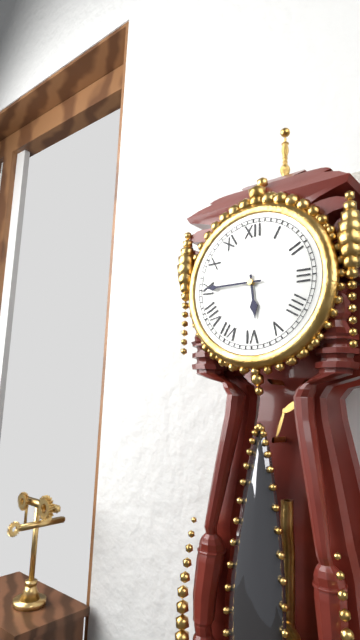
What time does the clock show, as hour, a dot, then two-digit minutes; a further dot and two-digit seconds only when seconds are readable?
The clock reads 5.45
